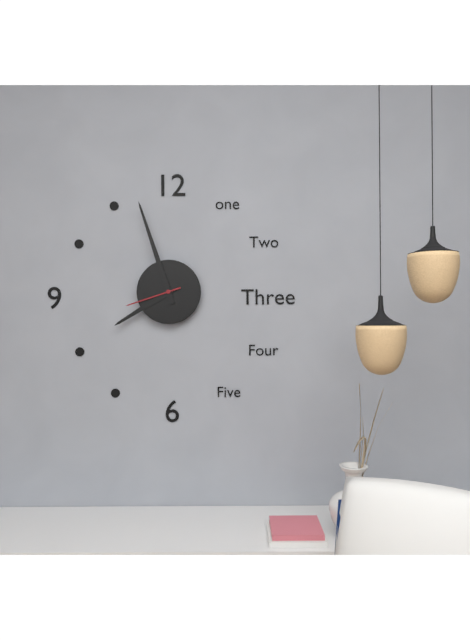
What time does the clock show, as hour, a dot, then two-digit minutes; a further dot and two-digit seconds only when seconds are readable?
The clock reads 7.57.42
